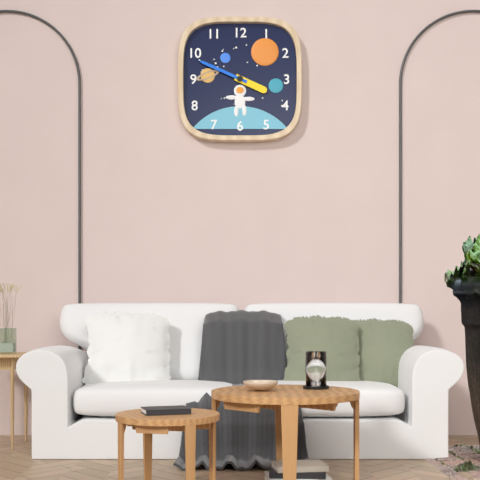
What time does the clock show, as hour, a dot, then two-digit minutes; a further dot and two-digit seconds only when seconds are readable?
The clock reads 3.49
